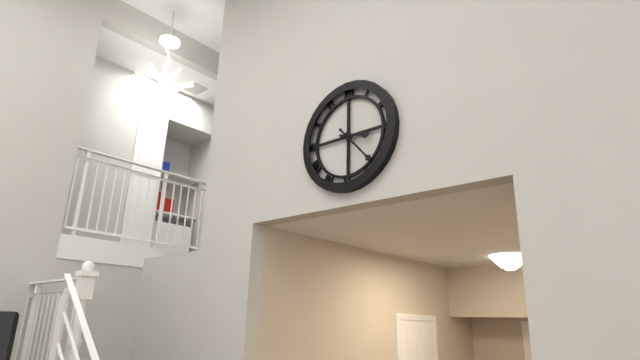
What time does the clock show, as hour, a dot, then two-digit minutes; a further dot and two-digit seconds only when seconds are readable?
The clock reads 3.23
